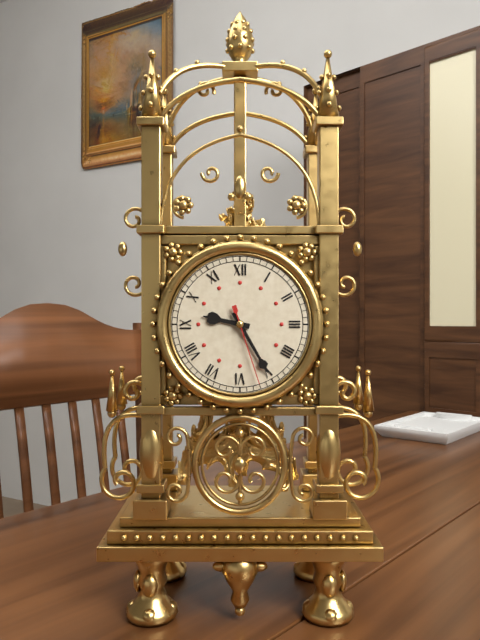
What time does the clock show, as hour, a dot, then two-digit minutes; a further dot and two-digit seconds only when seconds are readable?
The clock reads 9.25.27
